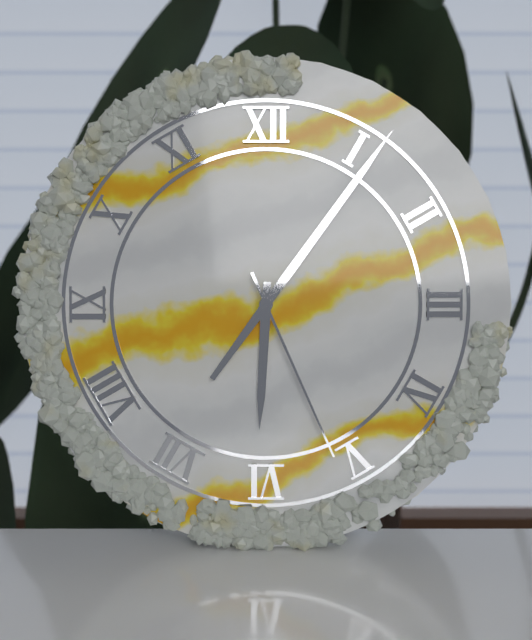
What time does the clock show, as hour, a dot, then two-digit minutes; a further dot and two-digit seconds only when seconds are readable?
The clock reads 6.06.26
